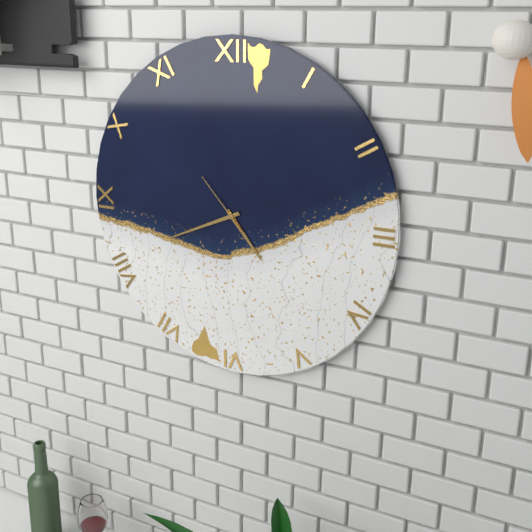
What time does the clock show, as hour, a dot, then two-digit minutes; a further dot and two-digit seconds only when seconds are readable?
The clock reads 4.41.53
